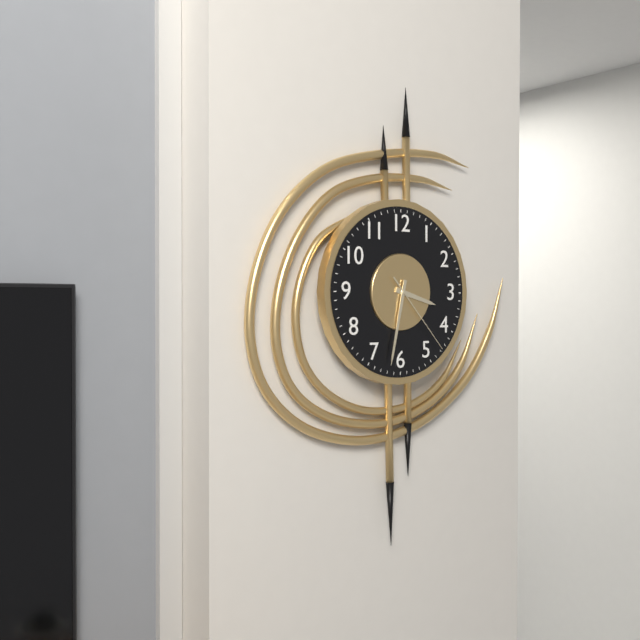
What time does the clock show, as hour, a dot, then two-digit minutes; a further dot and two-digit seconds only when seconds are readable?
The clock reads 3.32.23
